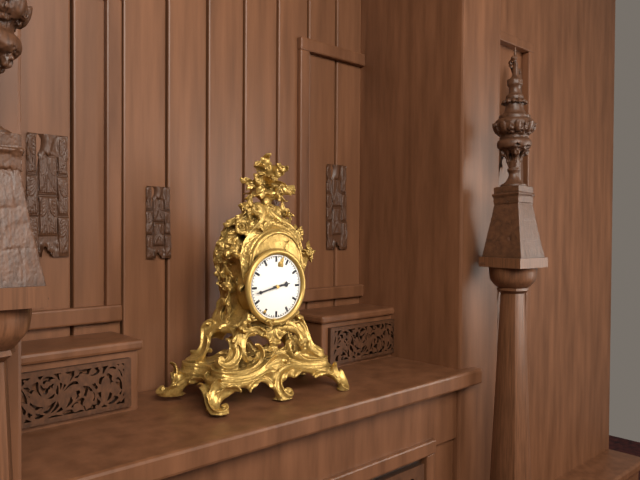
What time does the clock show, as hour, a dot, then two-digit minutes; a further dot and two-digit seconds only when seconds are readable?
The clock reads 2.43
